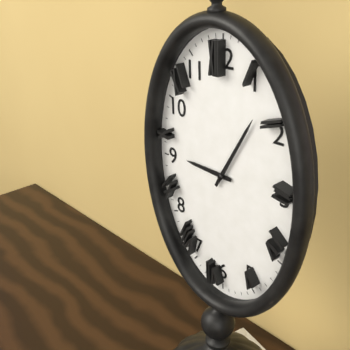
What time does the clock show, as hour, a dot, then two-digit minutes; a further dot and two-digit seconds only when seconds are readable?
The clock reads 9.05
